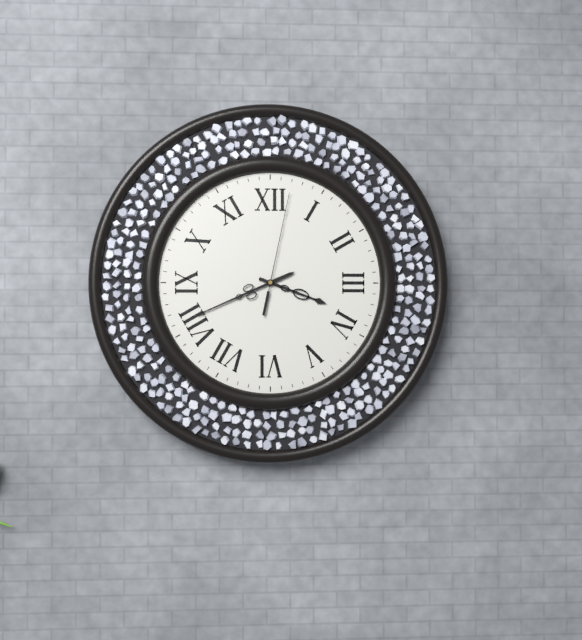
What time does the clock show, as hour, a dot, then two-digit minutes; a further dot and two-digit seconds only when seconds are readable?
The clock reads 3.41.02
